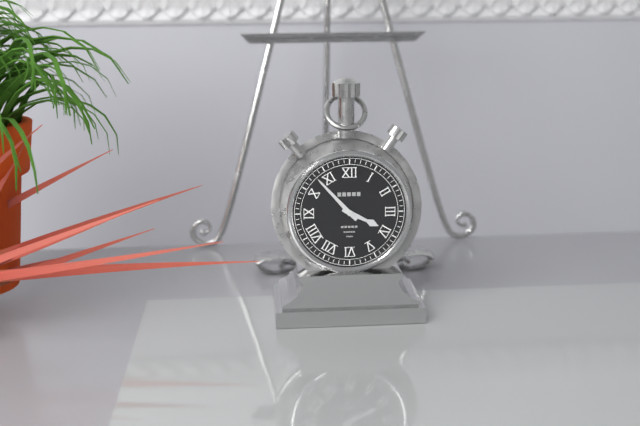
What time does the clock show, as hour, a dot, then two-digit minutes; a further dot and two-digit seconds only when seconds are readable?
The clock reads 3.53
